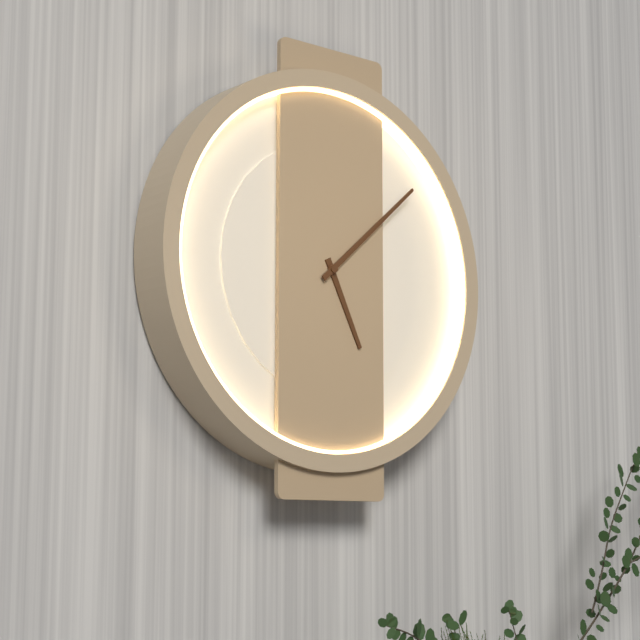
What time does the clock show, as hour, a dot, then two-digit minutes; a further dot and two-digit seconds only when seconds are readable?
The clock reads 5.08
